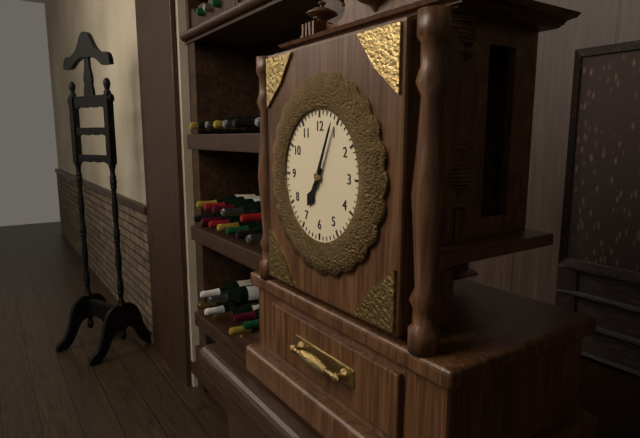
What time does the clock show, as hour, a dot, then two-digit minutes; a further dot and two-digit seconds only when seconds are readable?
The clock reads 7.04
